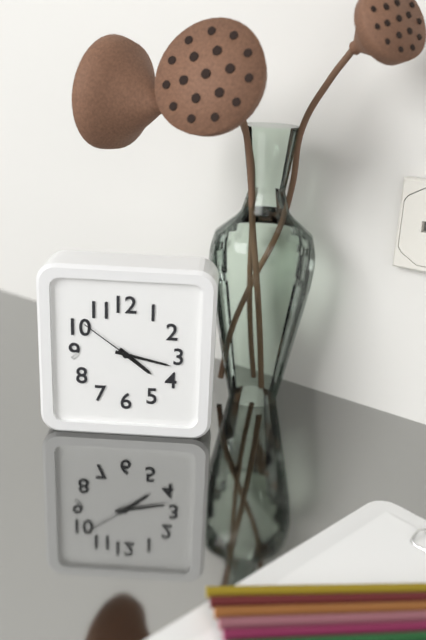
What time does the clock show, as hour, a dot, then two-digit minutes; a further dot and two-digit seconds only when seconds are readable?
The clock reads 4.17.51
